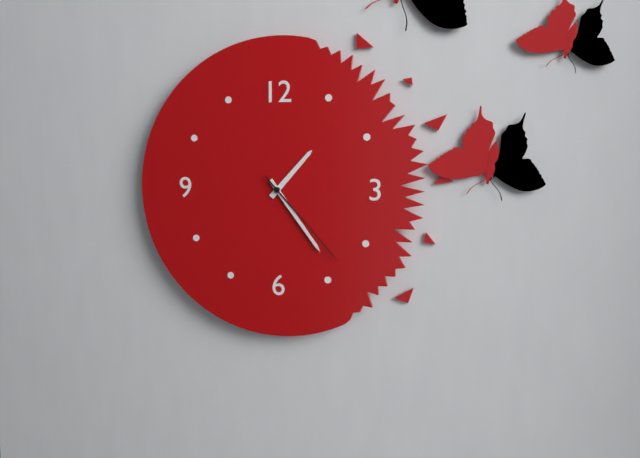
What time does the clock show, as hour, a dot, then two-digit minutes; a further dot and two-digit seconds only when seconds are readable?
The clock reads 1.24.23
